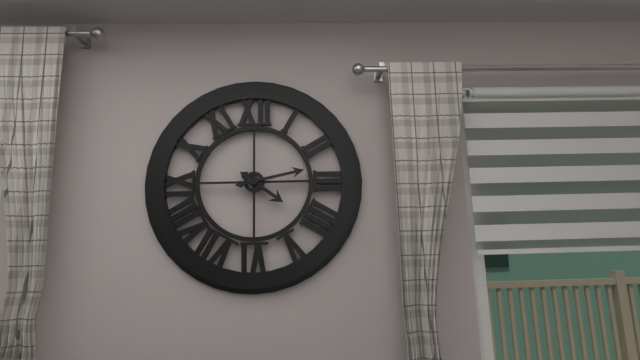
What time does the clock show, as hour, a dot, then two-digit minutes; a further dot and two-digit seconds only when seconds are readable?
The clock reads 4.13
